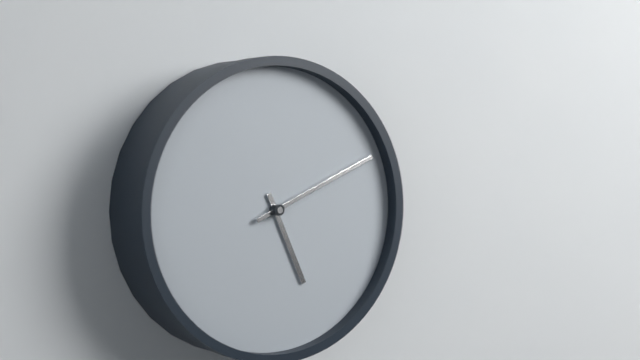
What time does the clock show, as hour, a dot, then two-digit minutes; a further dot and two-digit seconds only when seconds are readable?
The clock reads 5.11
